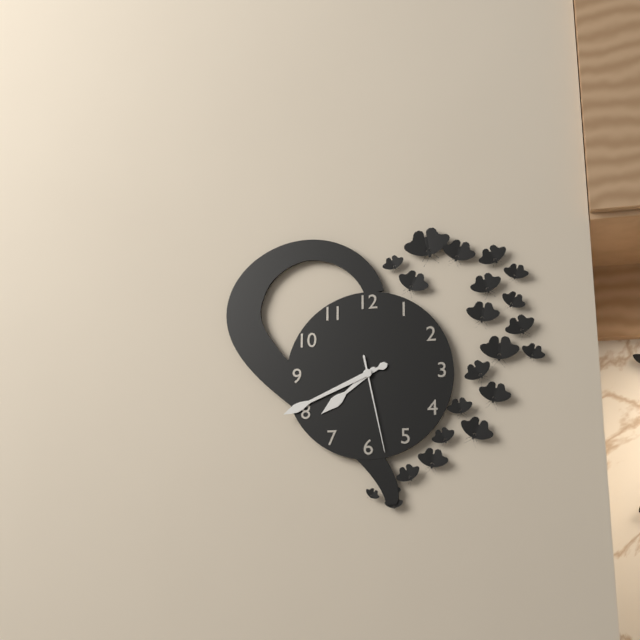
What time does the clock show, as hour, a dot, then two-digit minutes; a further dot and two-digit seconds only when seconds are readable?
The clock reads 7.41.28
